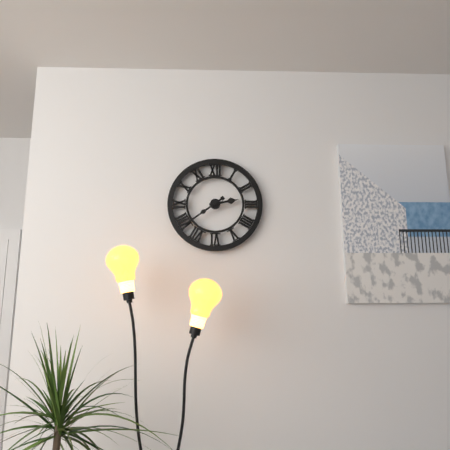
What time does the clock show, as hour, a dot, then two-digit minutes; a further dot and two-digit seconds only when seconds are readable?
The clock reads 2.39
